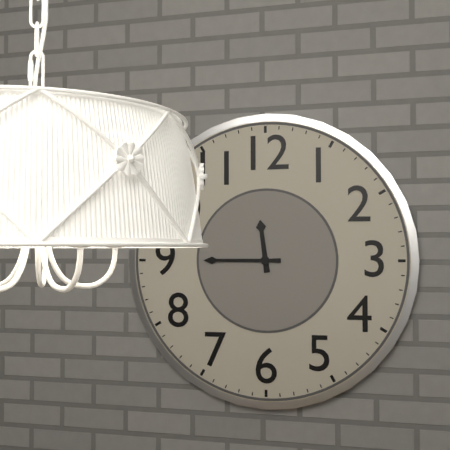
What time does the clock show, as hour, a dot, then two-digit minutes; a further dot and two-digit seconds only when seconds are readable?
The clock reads 11.45
